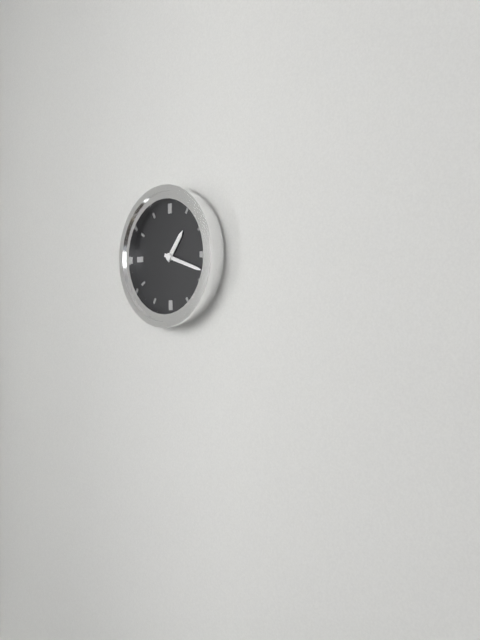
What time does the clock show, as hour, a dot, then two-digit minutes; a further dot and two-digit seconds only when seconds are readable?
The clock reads 1.18
